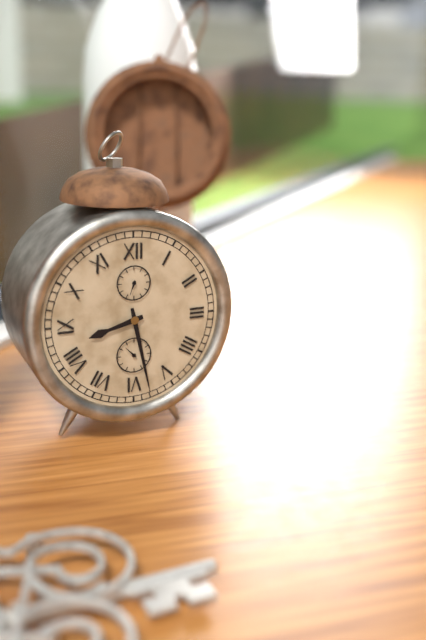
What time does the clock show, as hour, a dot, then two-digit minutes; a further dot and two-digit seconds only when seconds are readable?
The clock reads 8.28
